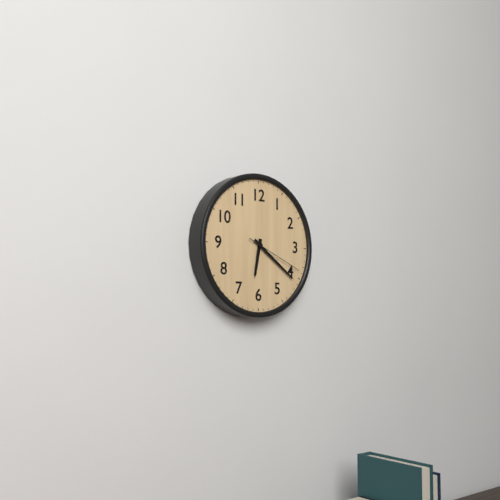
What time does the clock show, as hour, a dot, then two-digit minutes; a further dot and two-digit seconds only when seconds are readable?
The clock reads 6.21.19
